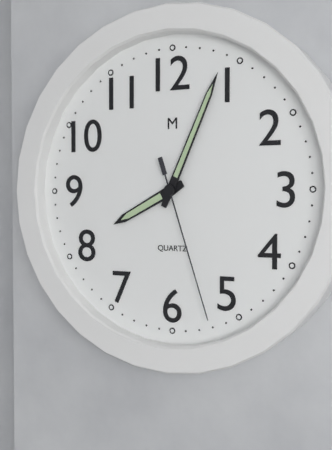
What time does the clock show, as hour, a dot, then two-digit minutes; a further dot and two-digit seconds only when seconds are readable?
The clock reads 8.04.27
